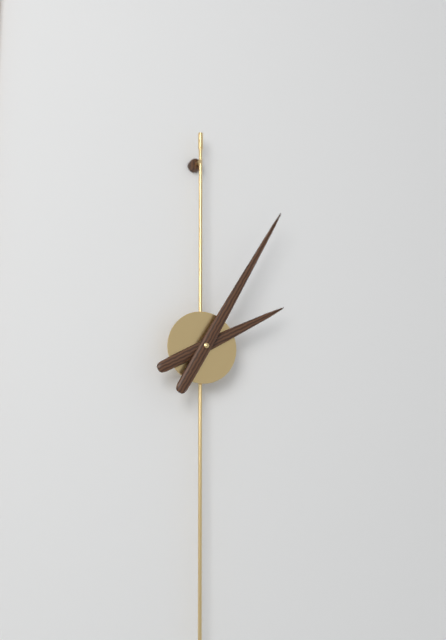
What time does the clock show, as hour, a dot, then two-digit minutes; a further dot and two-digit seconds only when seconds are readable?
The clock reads 2.05
